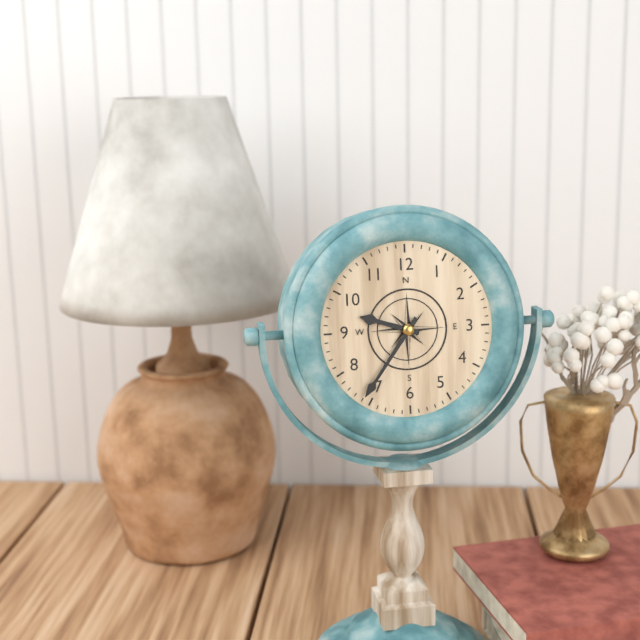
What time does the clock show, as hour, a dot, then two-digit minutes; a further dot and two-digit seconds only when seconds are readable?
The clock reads 9.36
